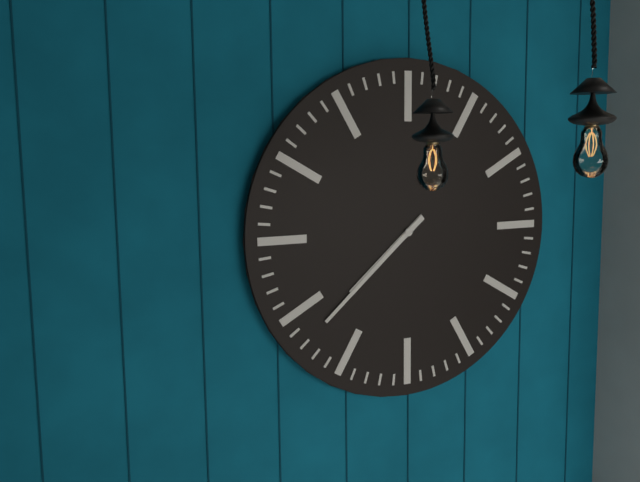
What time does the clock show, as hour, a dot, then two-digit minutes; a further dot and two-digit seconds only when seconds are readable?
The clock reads 7.38
